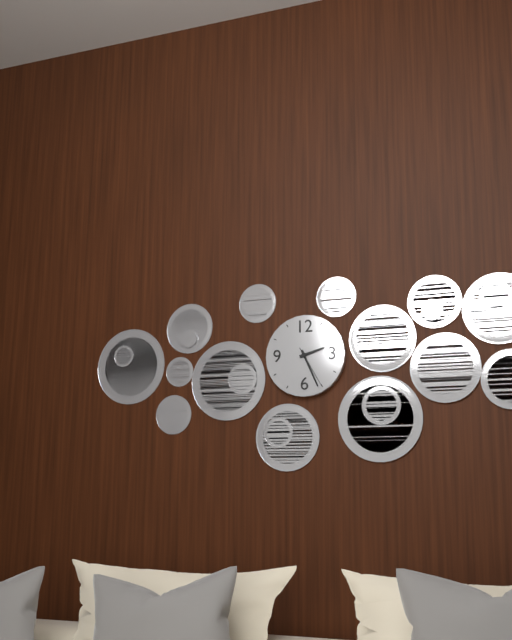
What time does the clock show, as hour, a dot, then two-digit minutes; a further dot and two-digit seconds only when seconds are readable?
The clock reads 2.26
